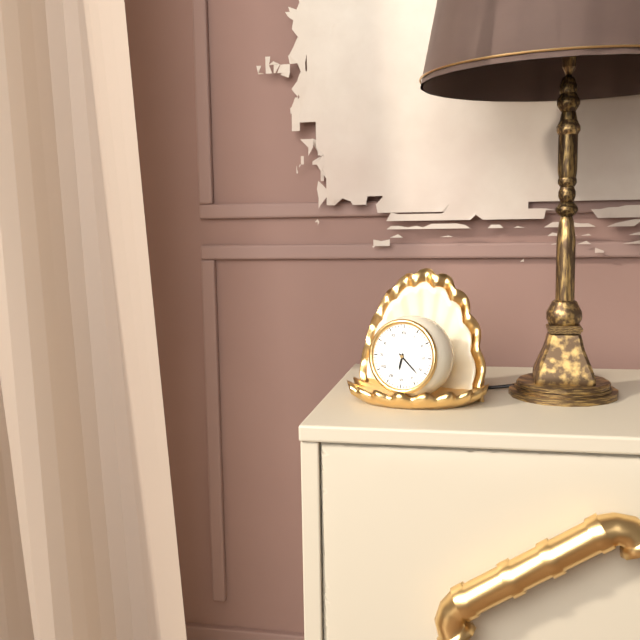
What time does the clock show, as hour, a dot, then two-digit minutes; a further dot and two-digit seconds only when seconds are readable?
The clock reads 6.22
